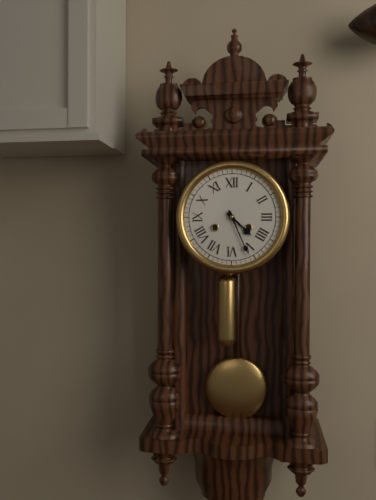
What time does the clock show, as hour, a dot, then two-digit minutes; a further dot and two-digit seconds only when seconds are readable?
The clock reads 4.26
